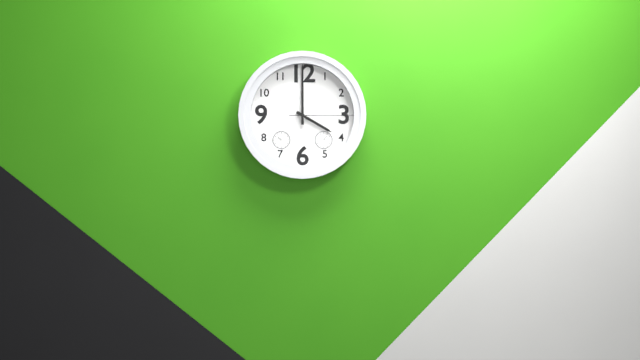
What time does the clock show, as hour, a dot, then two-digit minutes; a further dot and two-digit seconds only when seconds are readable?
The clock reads 4.00.15
